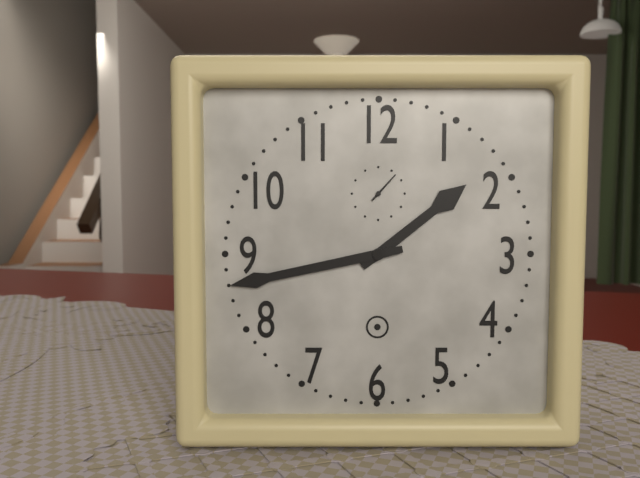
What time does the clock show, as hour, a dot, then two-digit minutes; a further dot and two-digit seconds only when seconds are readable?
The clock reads 1.43
